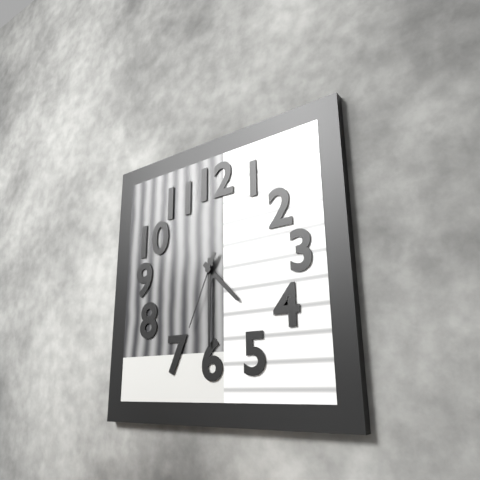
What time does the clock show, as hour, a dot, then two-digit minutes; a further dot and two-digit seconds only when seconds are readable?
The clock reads 4.30.34
